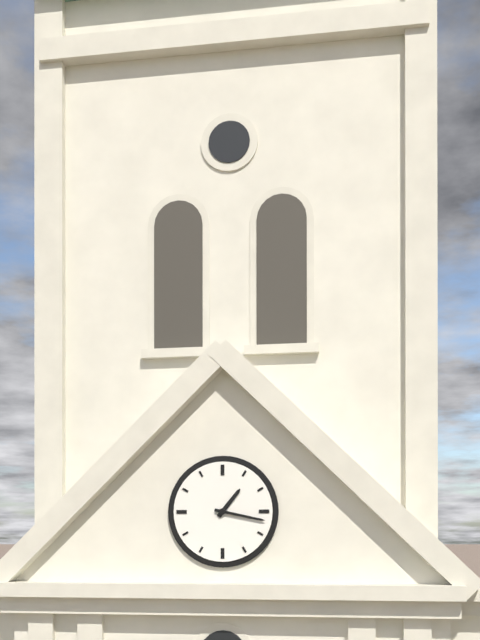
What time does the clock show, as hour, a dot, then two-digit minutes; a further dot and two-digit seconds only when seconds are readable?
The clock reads 1.17
